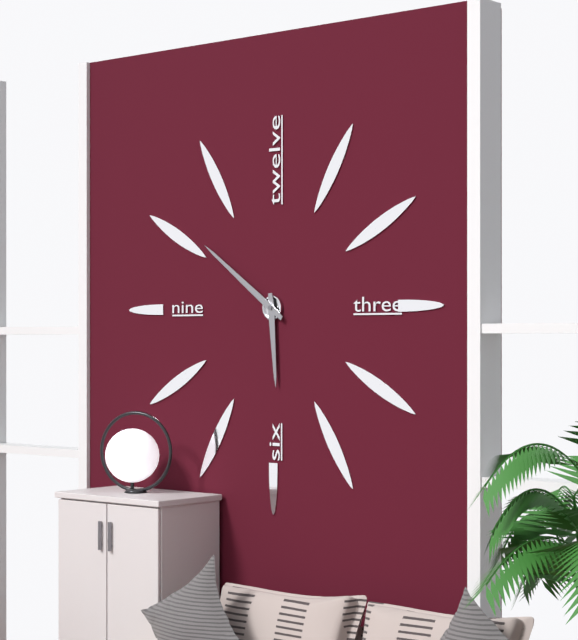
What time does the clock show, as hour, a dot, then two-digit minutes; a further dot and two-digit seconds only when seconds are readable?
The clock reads 5.51
